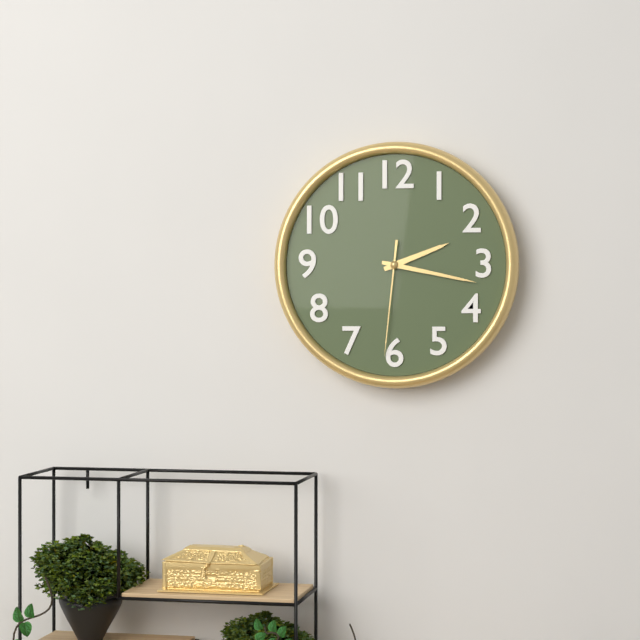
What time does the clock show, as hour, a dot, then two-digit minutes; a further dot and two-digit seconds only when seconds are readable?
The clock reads 2.17.31
